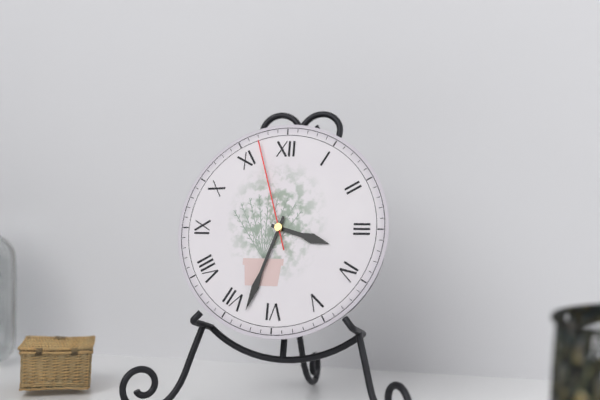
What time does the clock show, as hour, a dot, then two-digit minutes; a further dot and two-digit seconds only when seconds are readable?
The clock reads 3.33.57
